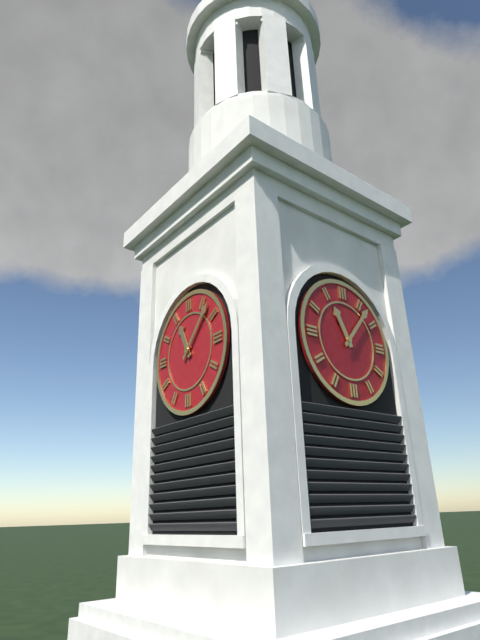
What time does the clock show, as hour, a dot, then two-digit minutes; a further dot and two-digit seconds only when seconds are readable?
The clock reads 11.07
